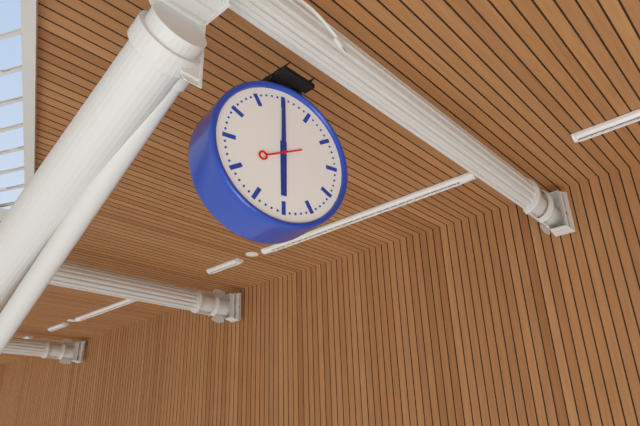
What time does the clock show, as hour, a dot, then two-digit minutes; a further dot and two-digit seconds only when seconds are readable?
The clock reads 6.00
